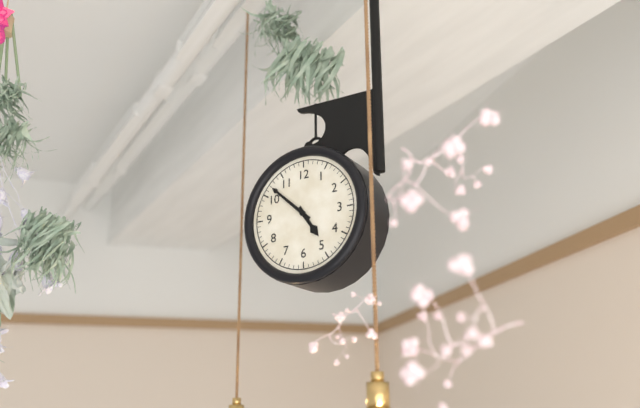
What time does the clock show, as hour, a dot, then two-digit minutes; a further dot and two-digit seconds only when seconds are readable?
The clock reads 4.52
